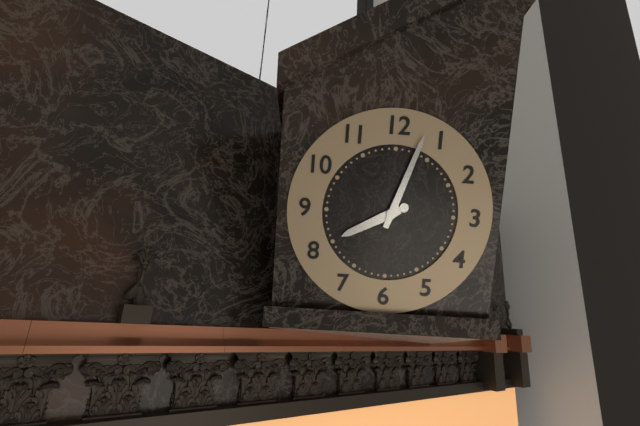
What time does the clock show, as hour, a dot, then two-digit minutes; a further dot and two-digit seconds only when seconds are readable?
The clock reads 8.03
